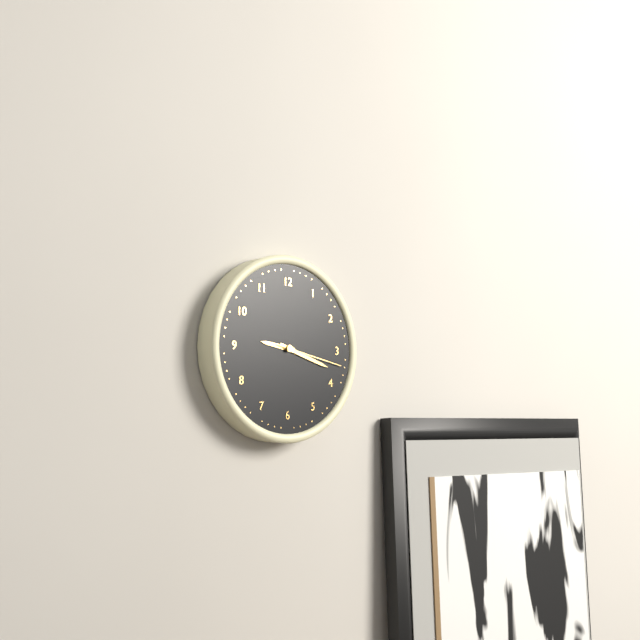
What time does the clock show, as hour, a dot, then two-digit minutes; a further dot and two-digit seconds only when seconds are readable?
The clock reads 9.18.17
